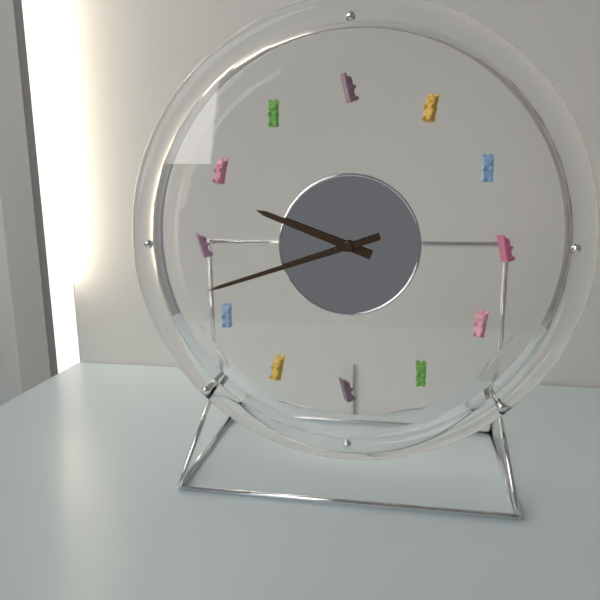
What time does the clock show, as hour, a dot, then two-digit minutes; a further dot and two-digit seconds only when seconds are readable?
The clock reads 9.42
